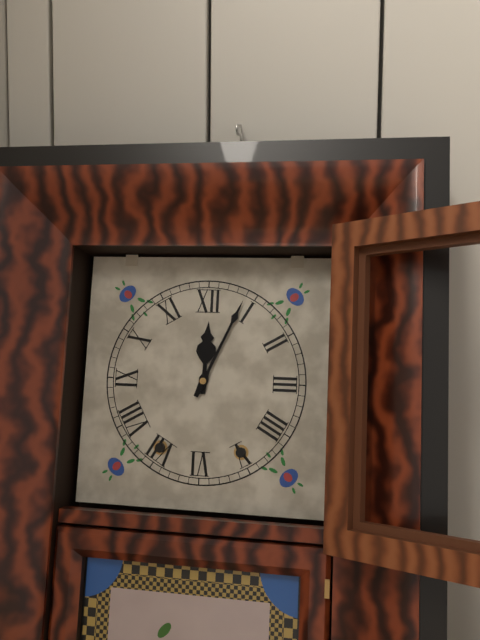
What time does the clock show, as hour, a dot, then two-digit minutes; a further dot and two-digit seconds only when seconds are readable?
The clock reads 12.04
